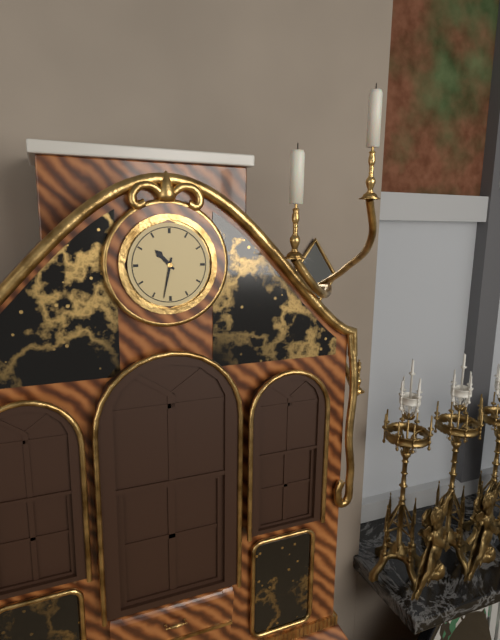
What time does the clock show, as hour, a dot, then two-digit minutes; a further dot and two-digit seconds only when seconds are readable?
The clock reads 10.32
